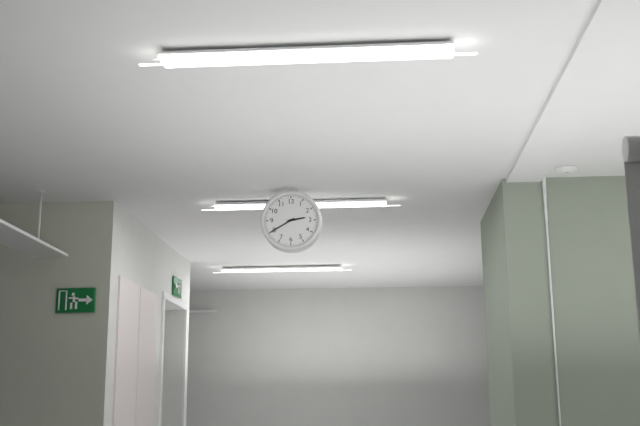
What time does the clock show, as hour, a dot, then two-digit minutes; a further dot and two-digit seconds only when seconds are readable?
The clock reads 2.40
